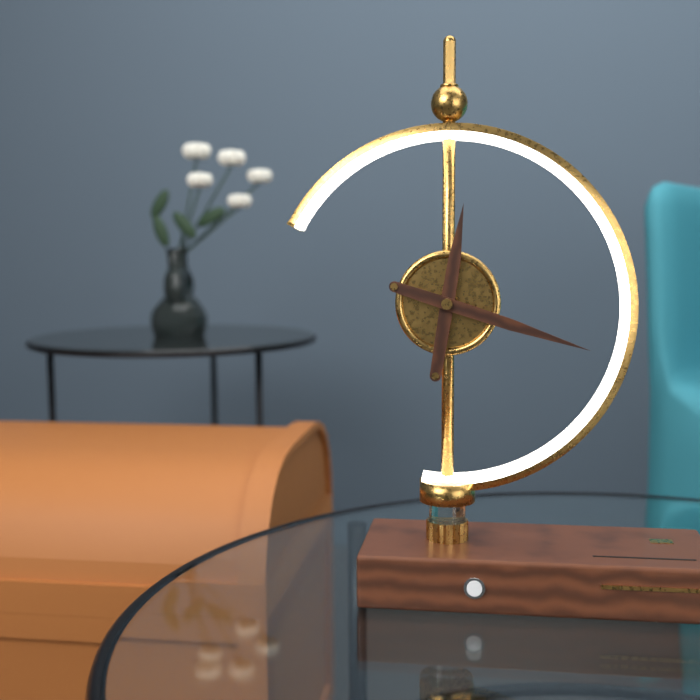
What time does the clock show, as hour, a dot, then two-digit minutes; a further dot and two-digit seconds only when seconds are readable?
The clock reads 12.18
